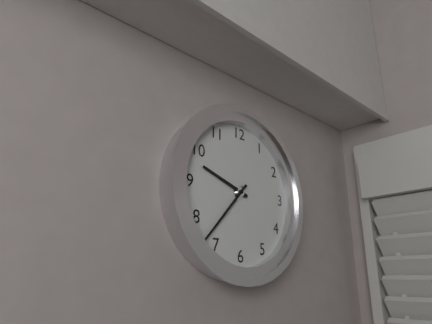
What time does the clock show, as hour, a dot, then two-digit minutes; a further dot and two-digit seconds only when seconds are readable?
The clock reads 9.37
